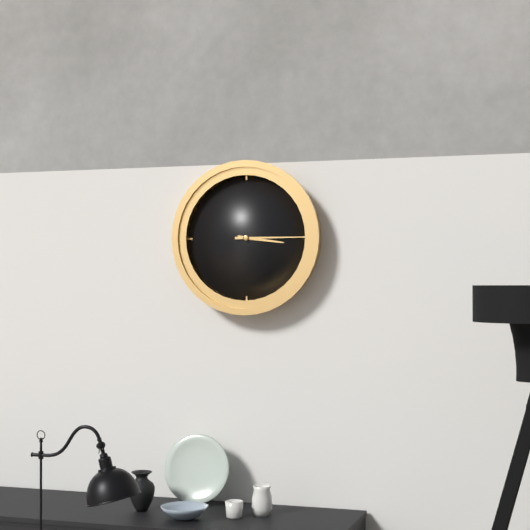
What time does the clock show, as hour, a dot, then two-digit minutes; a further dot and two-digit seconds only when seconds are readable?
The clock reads 3.15
